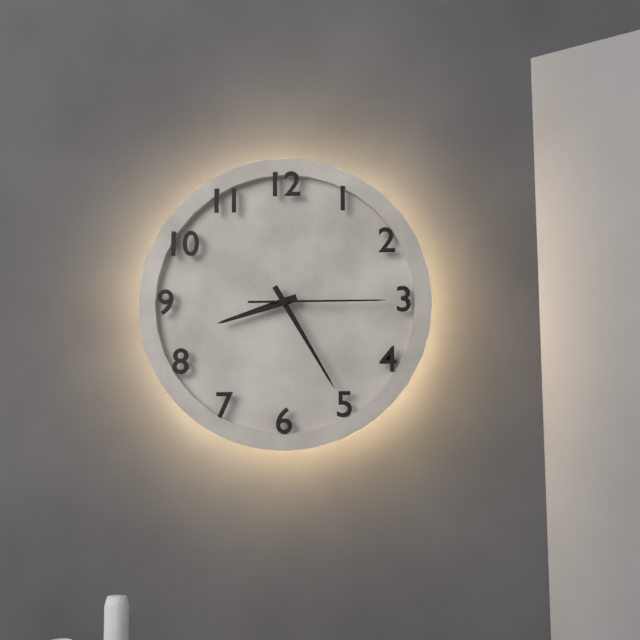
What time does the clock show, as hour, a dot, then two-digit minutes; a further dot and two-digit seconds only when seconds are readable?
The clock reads 8.25.15
